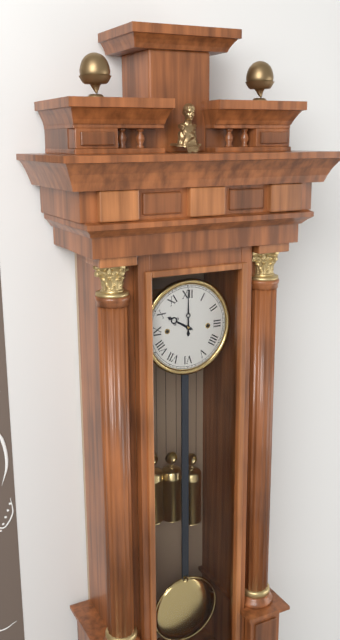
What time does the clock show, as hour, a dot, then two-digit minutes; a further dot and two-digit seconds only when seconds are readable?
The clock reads 10.00
